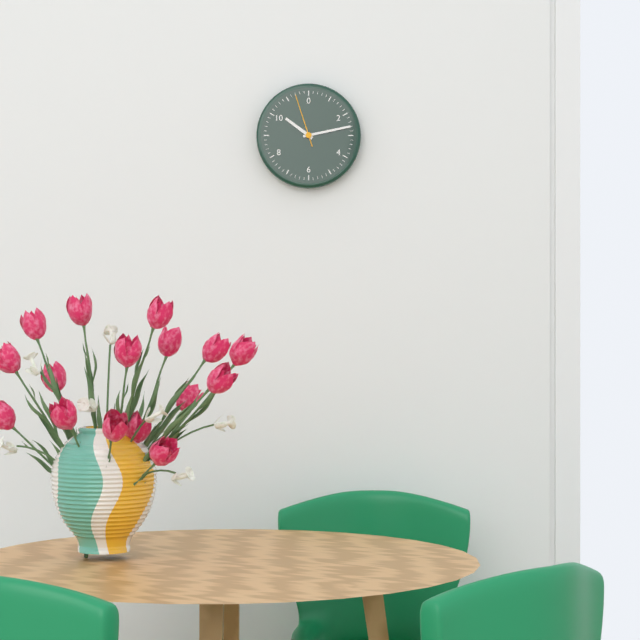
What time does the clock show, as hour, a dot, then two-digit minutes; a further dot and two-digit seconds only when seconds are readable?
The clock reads 10.13.57
